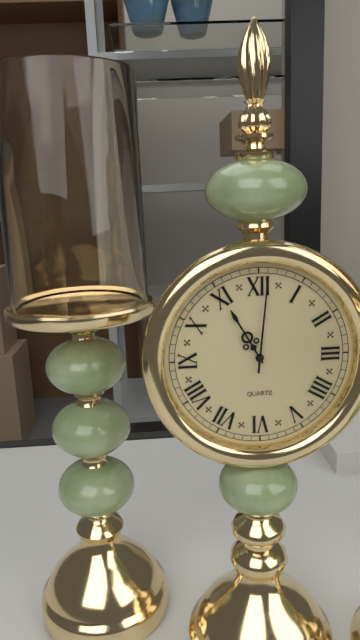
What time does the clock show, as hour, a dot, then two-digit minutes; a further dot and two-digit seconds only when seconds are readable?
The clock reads 11.01
